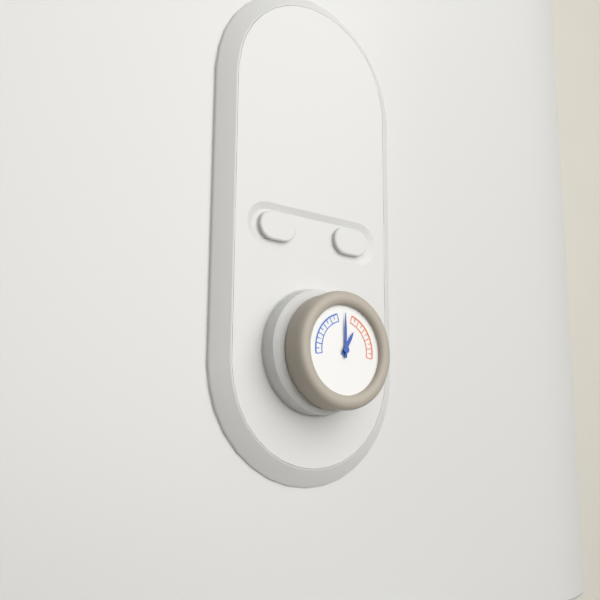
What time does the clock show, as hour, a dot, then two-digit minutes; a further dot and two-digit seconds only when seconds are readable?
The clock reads 1.00
